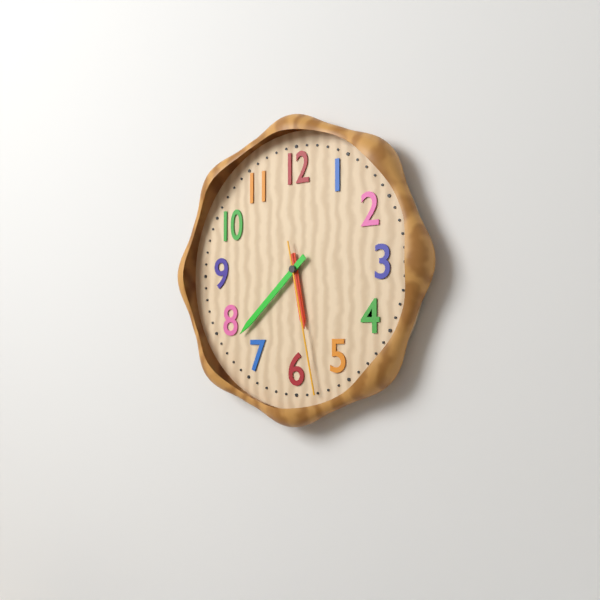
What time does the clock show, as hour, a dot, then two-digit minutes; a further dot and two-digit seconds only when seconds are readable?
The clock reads 5.38.28
